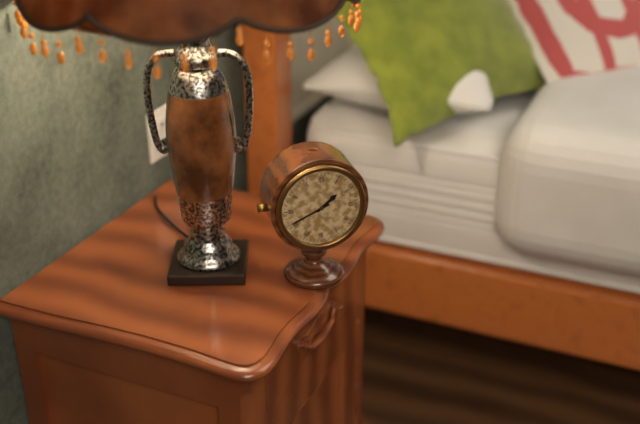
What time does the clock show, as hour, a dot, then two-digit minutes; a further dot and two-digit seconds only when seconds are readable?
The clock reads 1.41
